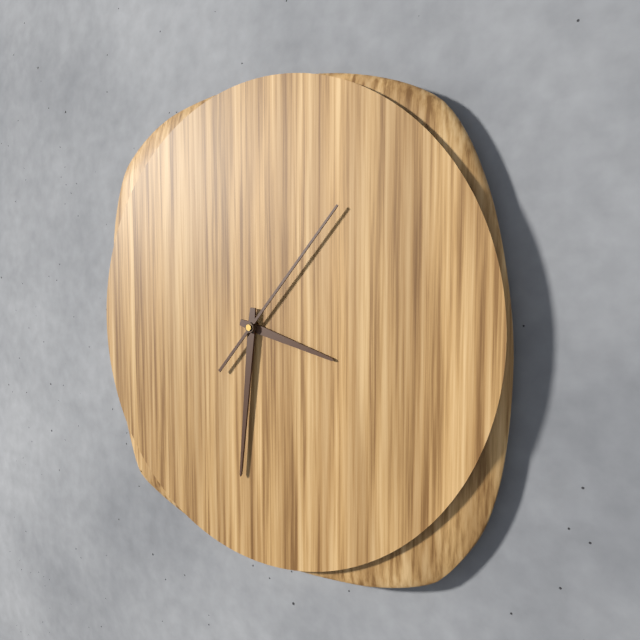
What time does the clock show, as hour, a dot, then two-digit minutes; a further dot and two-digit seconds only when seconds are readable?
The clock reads 3.31.07
